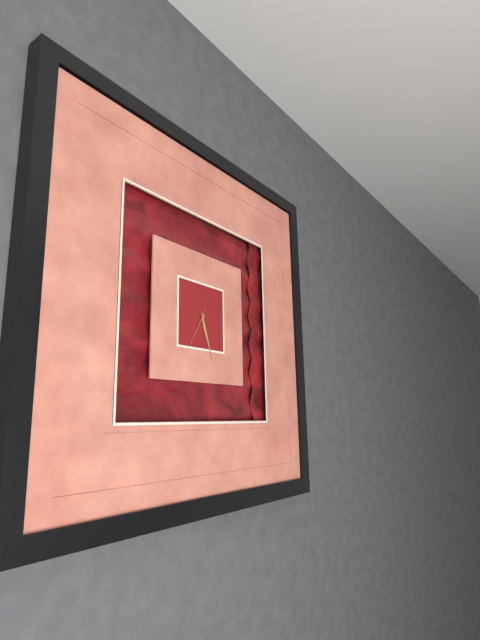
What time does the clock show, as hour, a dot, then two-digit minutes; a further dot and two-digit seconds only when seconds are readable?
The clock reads 5.27
